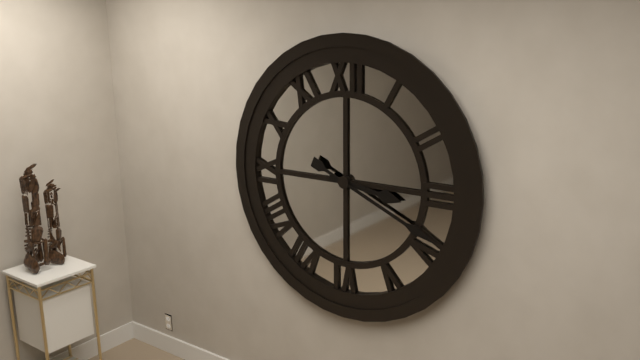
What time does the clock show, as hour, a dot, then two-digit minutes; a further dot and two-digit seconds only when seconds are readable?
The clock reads 3.19
